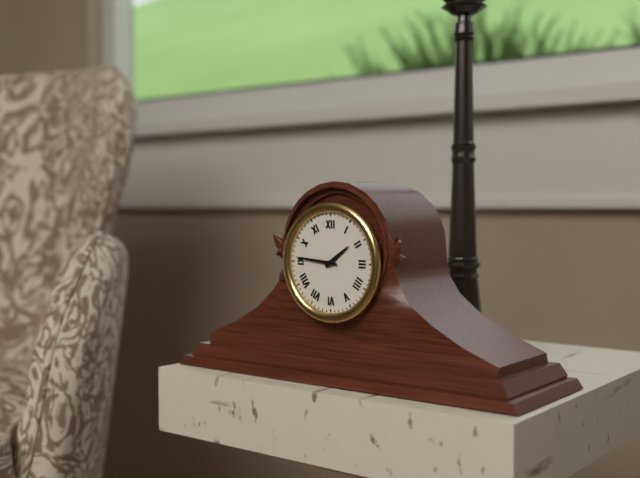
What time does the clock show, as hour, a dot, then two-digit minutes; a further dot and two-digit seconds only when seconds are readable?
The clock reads 1.46
